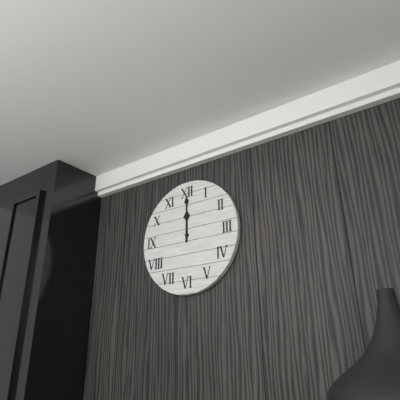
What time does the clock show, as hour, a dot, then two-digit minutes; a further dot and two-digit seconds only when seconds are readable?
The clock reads 12.00
